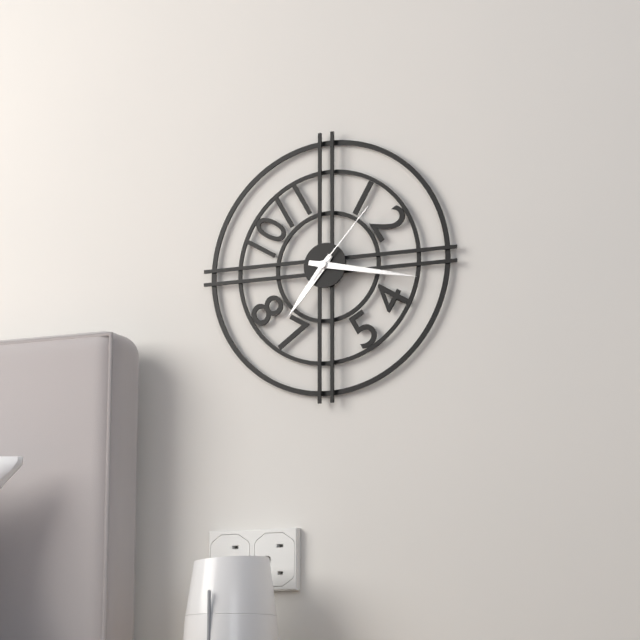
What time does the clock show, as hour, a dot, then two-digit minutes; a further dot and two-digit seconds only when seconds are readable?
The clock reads 7.17.07
